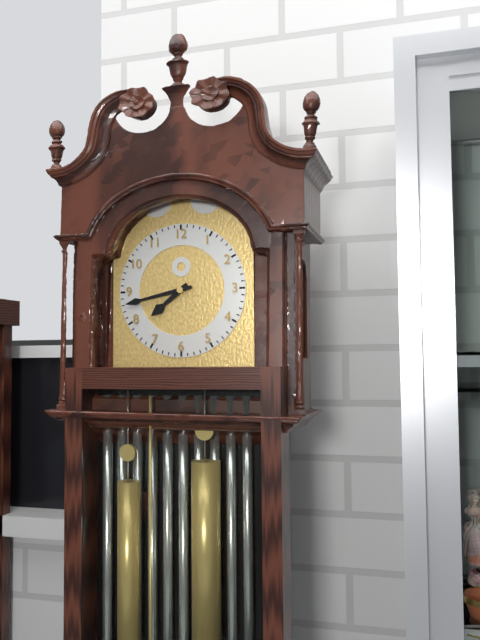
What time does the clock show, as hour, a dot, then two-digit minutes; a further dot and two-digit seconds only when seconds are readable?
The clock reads 7.43
